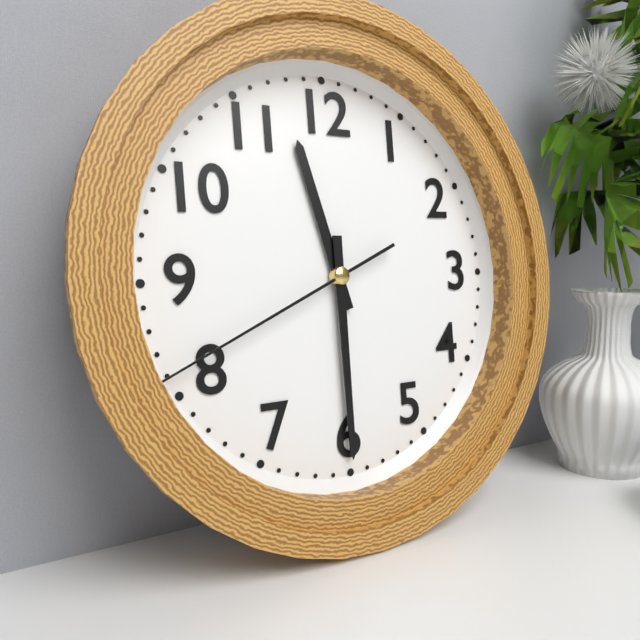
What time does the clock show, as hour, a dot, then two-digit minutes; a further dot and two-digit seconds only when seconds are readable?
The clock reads 11.30.41
